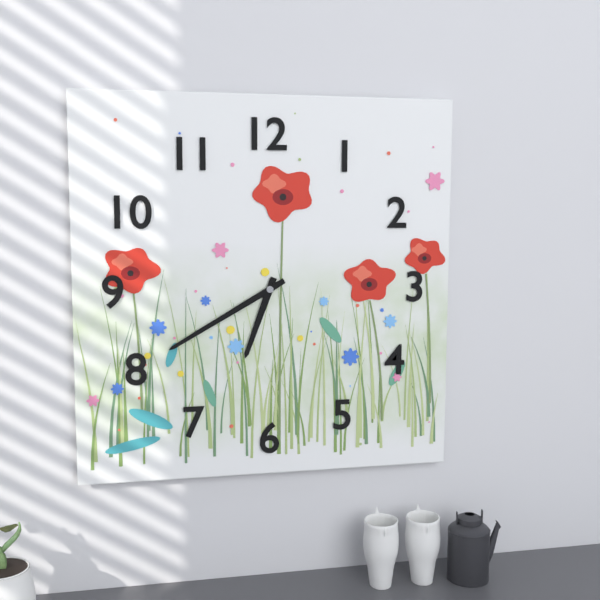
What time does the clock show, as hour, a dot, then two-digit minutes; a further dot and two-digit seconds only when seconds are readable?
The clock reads 6.40
